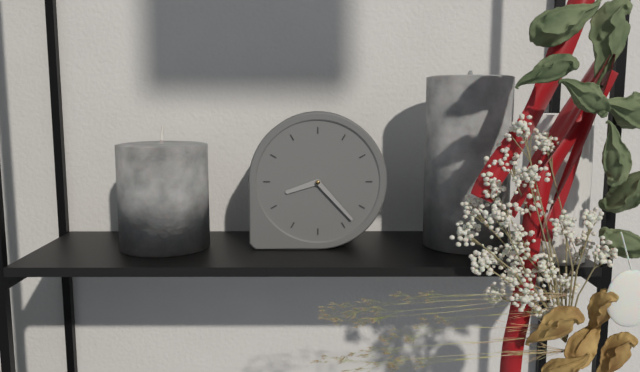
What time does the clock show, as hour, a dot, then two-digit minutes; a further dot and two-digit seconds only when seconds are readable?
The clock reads 8.23
